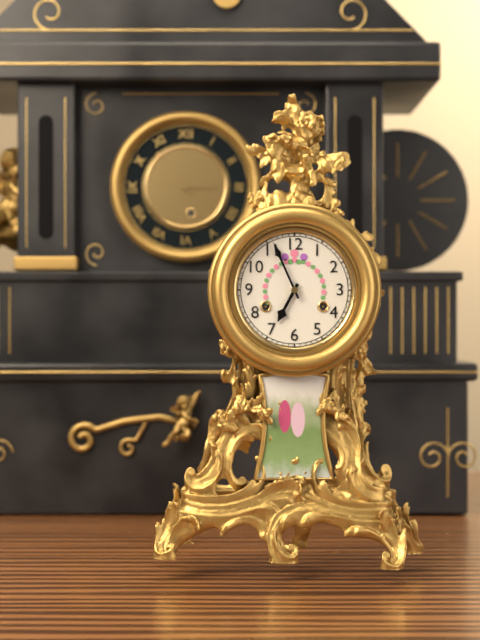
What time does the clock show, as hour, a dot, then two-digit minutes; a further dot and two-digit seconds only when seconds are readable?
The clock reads 6.56
